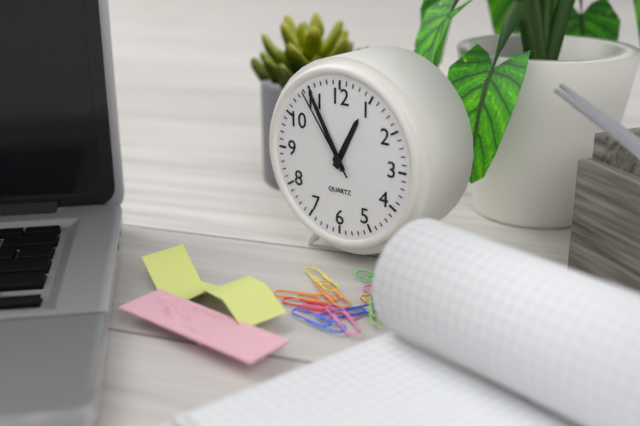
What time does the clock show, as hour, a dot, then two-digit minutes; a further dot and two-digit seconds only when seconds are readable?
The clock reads 12.55.54
